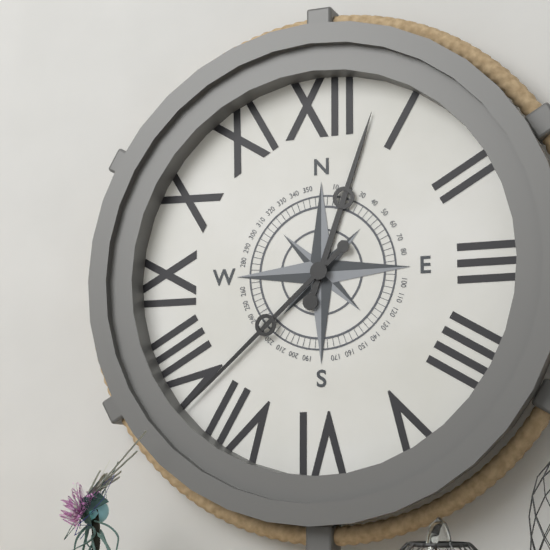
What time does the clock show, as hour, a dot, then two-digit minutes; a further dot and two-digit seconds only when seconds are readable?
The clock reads 12.38
